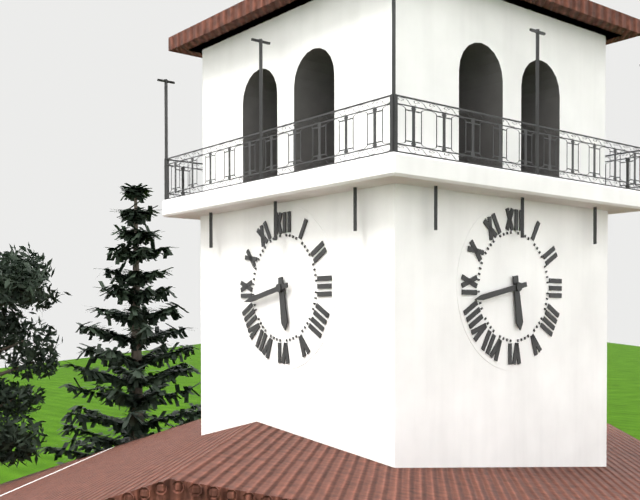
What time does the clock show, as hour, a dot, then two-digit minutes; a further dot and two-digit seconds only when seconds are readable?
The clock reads 5.43
